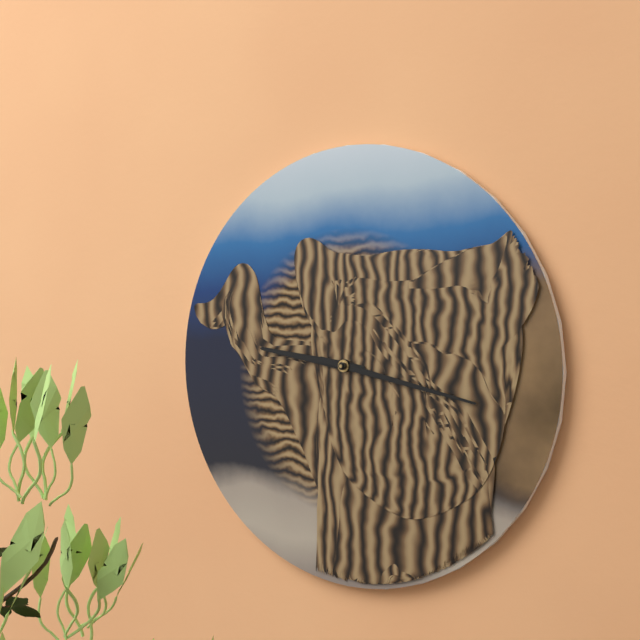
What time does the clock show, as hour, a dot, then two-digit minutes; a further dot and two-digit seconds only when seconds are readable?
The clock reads 9.17
